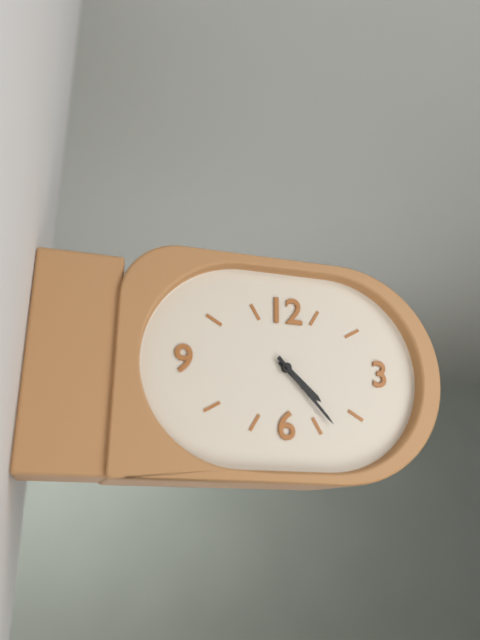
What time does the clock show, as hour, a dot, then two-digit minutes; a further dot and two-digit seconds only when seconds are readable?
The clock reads 4.23
